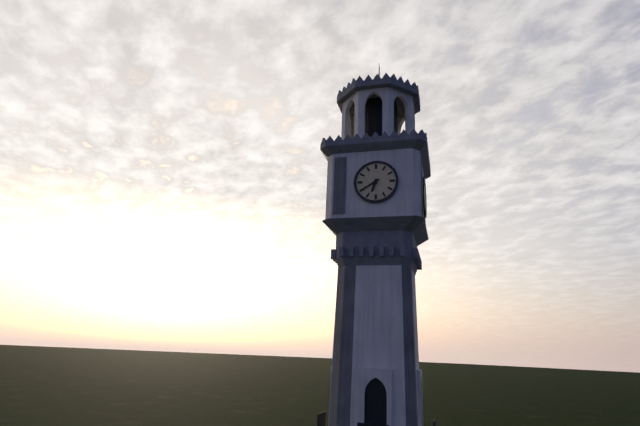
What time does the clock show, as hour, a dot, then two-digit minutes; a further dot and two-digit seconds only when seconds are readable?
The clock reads 6.40
